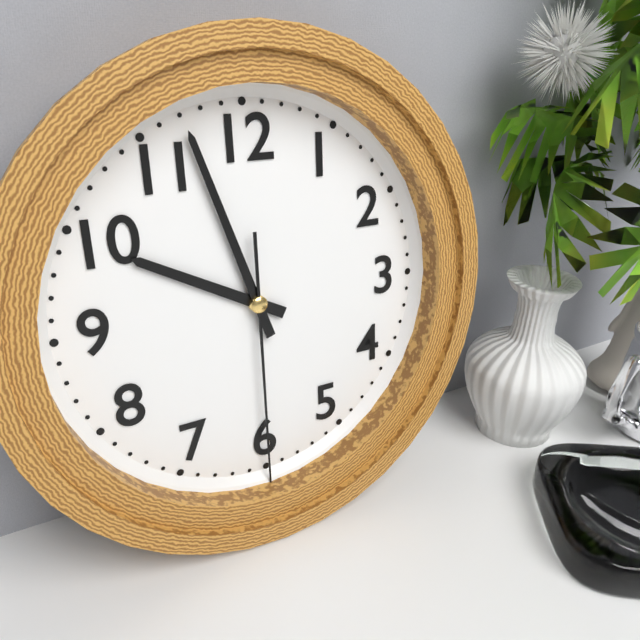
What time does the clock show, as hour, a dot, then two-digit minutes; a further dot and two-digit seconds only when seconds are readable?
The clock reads 9.57.30
